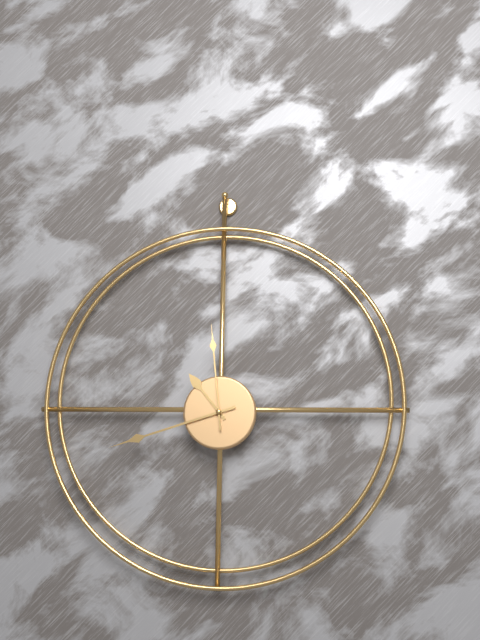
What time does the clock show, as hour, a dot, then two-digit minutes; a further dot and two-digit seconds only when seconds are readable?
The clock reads 10.42.59
